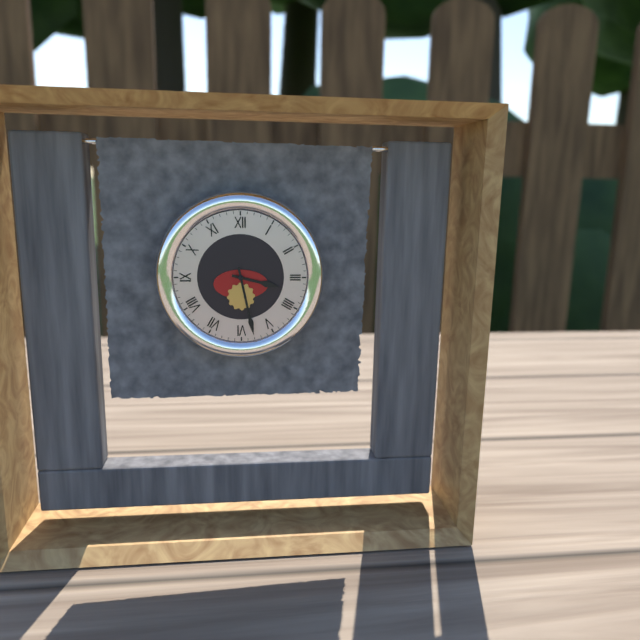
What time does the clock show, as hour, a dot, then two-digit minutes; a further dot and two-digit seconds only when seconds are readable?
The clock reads 3.28
